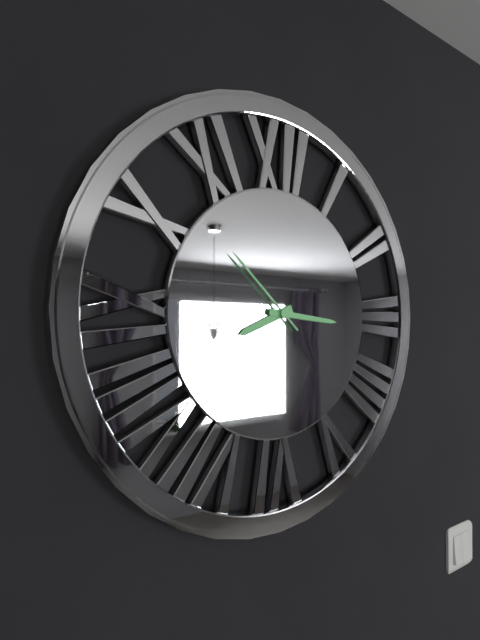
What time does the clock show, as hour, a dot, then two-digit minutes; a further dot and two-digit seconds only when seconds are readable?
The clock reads 8.16.52
